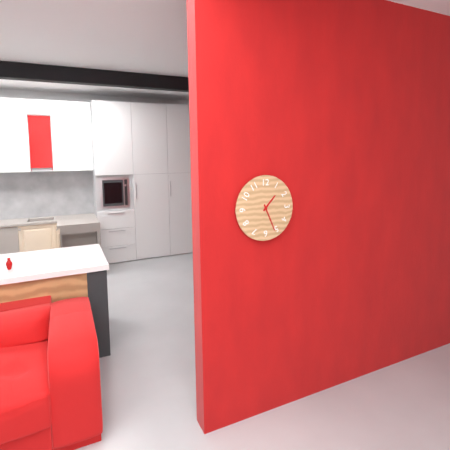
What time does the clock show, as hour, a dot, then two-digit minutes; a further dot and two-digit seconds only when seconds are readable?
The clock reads 1.26
